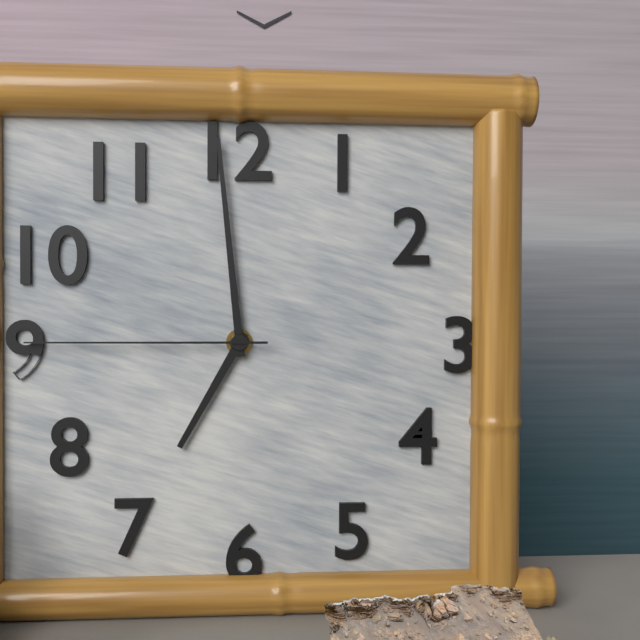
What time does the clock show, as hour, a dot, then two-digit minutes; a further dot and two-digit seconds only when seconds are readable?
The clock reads 6.59.45
